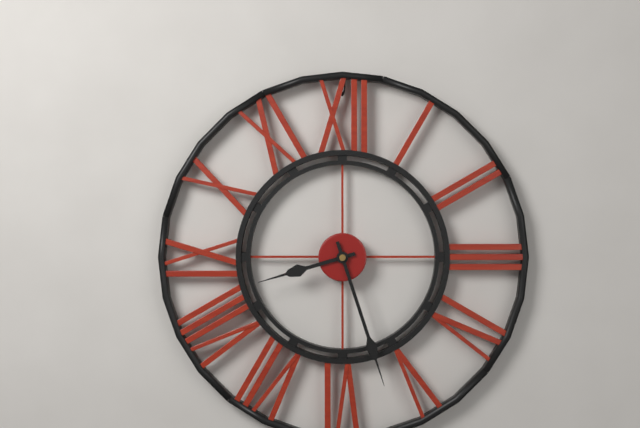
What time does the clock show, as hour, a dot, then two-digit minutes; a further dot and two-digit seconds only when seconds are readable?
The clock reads 8.27
